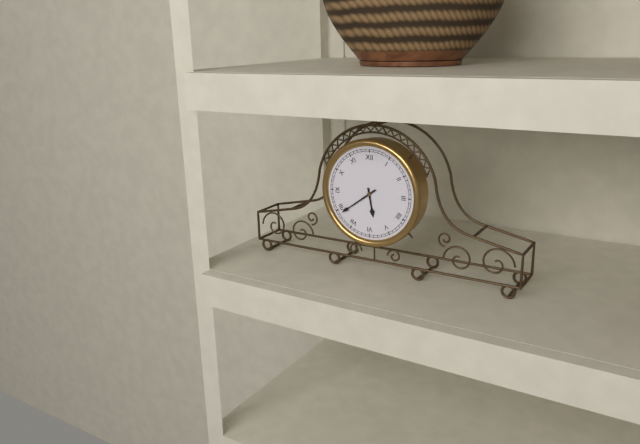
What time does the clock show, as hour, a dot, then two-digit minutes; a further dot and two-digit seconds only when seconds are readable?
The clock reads 5.39
